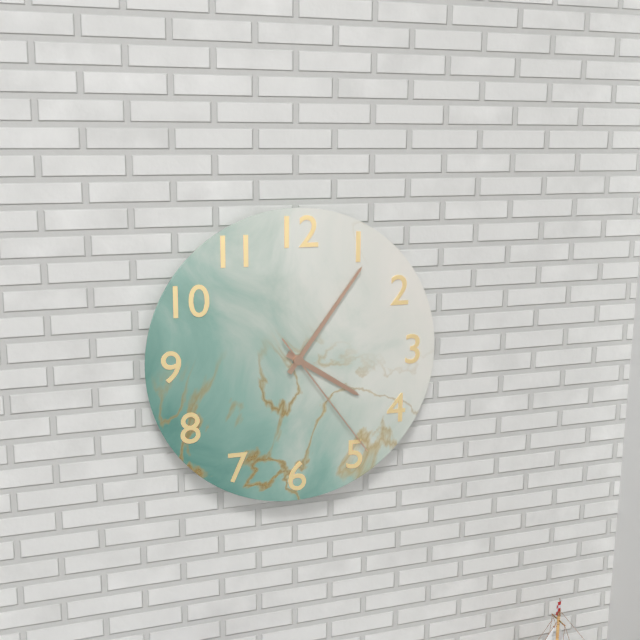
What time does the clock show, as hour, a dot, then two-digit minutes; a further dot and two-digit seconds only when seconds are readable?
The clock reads 4.06.24
